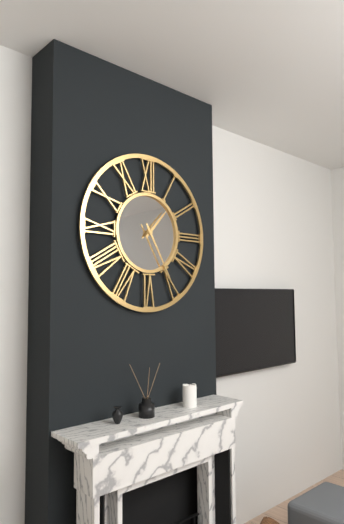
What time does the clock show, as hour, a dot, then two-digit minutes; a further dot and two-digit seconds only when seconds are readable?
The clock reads 1.25
